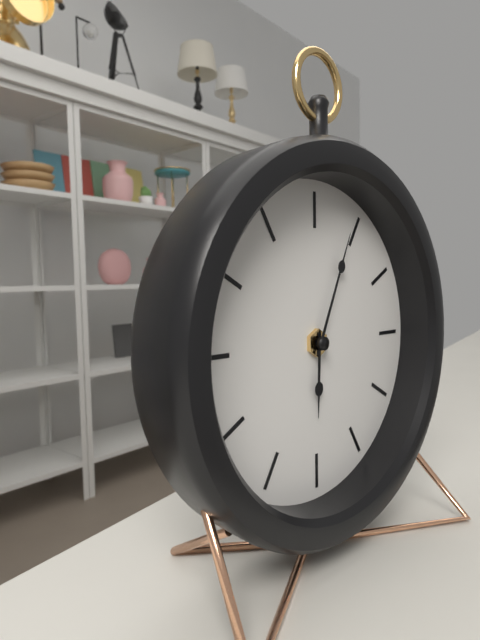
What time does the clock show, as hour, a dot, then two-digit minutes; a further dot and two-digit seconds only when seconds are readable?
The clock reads 6.04
